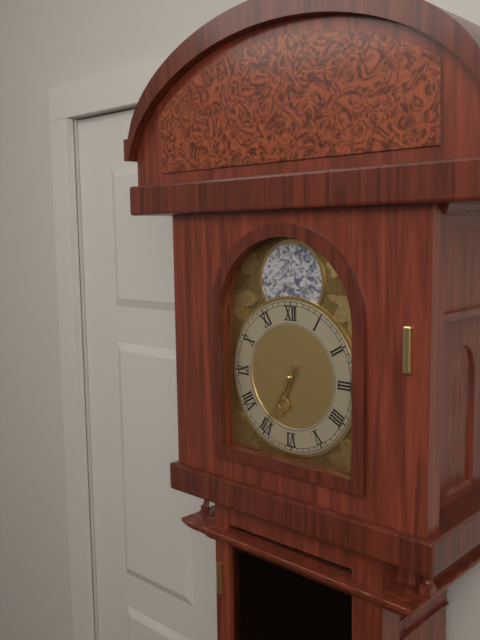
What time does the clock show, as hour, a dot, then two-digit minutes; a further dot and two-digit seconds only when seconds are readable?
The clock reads 6.35
